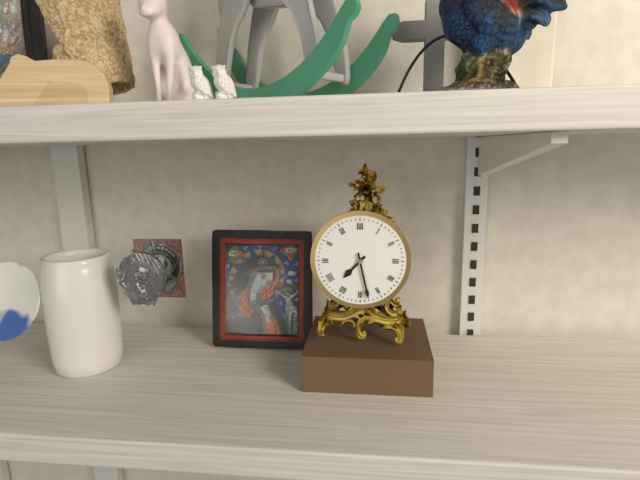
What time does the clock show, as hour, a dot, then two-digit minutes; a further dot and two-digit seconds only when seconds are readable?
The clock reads 7.28
